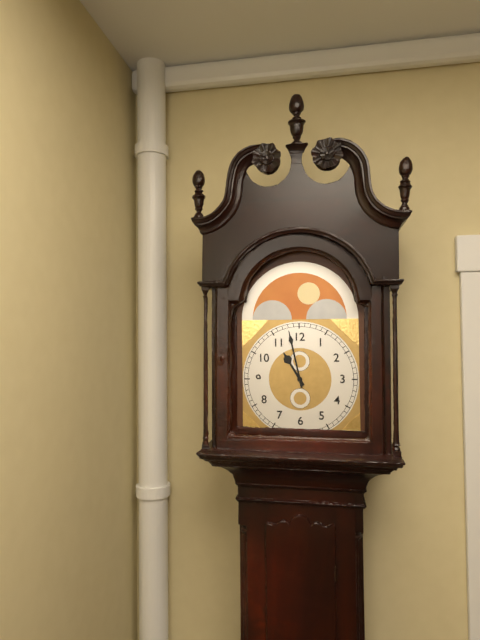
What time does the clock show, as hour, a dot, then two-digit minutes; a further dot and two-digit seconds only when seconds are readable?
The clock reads 10.58
